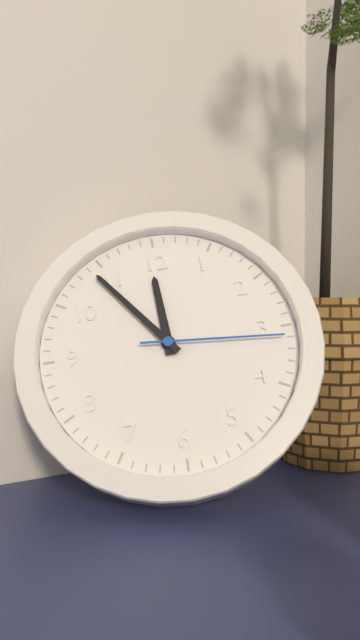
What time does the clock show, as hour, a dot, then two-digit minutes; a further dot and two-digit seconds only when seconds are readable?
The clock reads 11.54.16
